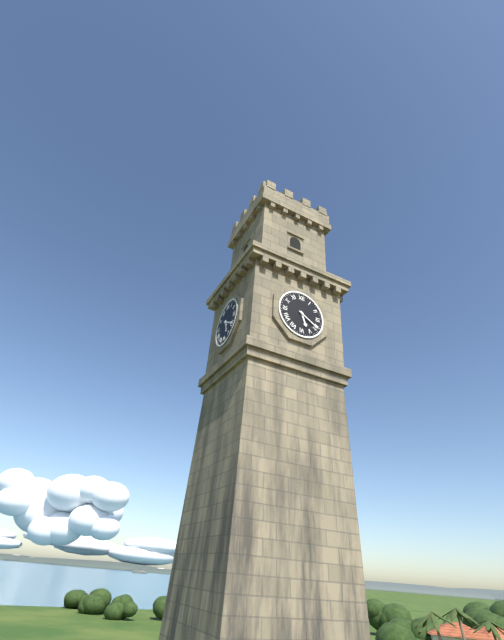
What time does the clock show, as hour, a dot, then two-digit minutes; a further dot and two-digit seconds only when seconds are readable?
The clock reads 5.20
